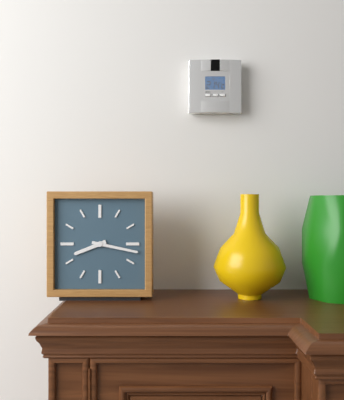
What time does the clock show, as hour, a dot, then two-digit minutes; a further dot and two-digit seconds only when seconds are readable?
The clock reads 8.17
